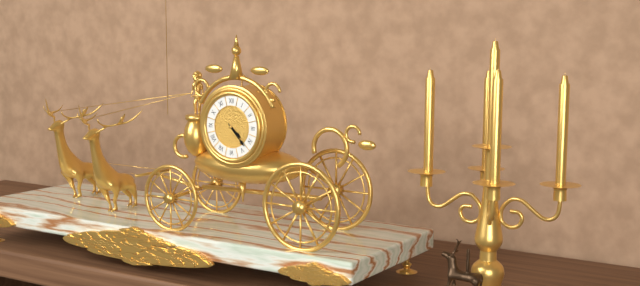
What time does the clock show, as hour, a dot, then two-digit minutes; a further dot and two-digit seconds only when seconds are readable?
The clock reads 4.23
